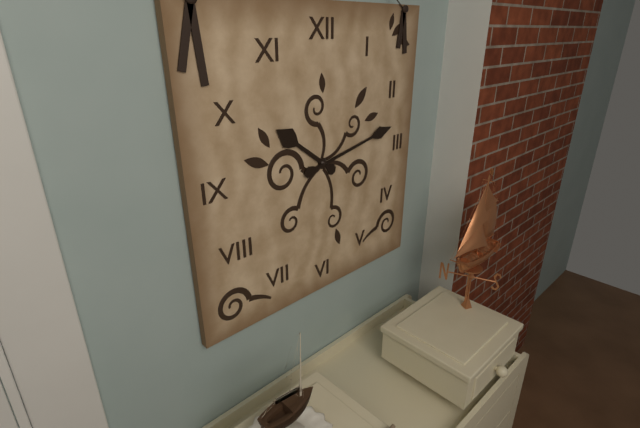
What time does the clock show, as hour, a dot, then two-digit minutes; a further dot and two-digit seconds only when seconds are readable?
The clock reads 10.13
